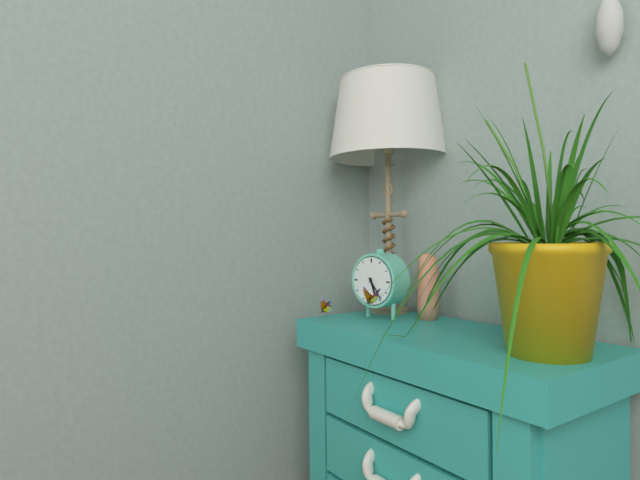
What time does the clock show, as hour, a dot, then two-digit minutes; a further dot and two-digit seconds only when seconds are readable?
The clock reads 5.24
